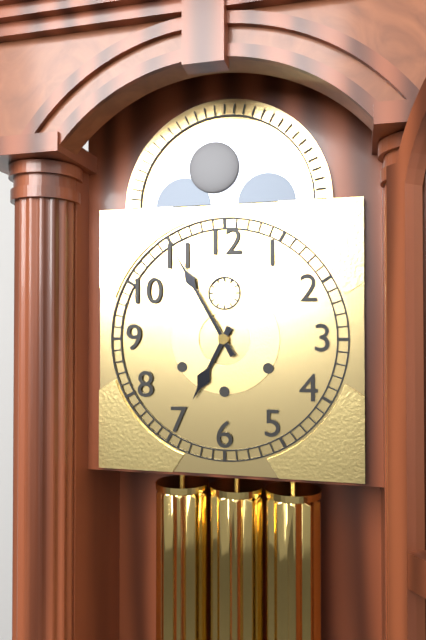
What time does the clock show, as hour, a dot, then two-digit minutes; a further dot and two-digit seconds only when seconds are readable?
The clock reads 6.55
